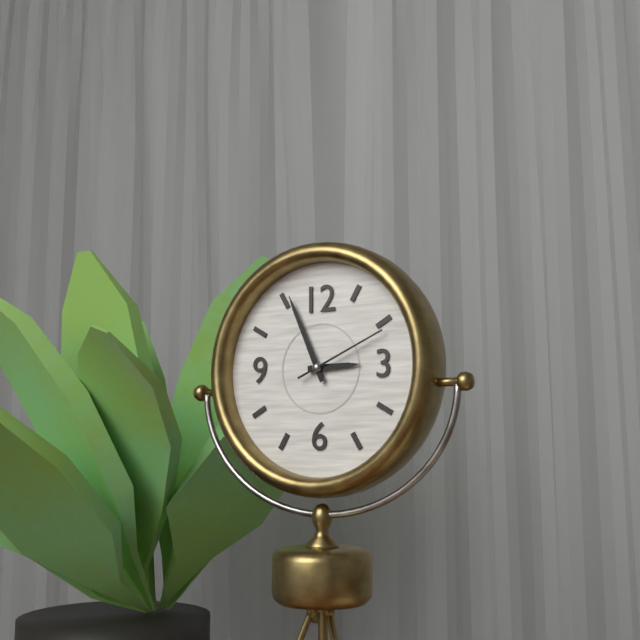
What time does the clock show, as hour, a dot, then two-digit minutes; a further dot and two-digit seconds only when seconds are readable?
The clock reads 2.56.11
